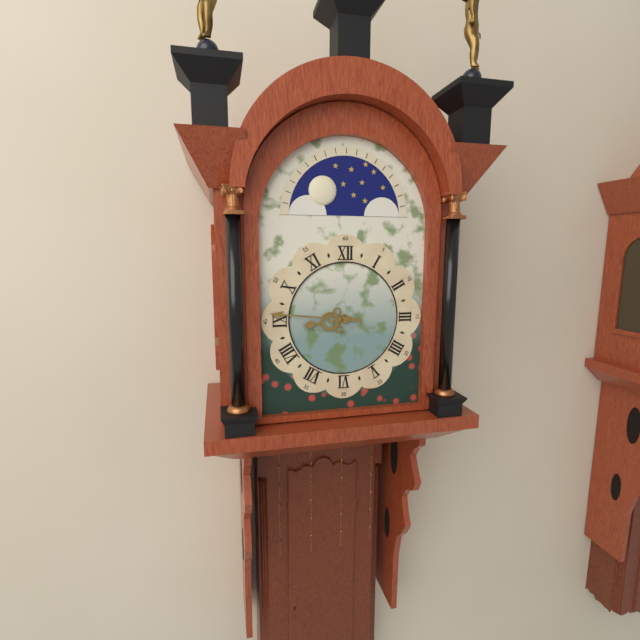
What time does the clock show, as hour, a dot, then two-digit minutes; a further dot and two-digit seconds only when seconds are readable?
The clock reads 8.46
